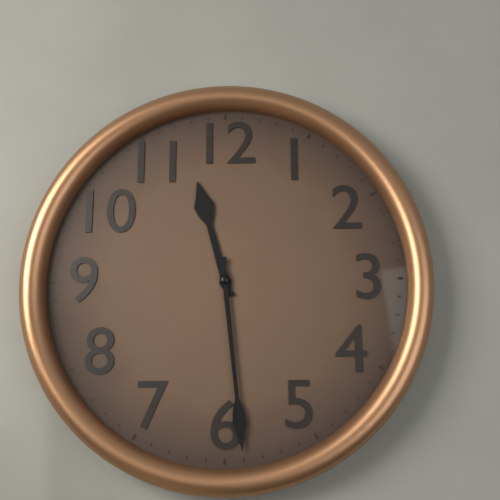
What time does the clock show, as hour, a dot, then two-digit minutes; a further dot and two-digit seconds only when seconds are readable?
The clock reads 11.29
